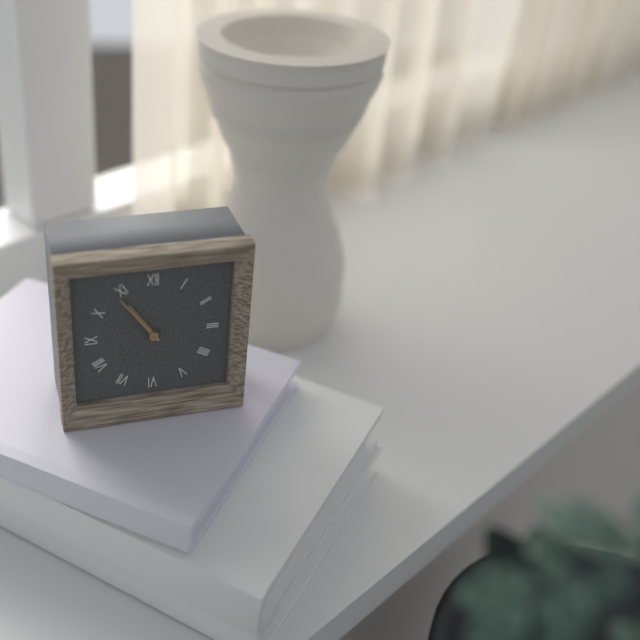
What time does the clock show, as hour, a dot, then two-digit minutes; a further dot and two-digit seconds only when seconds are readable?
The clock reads 10.54
